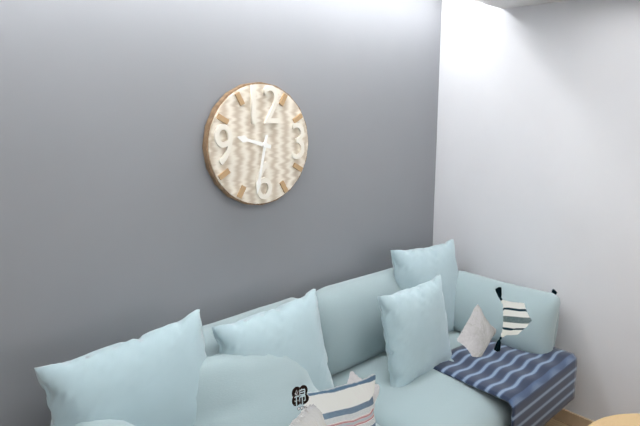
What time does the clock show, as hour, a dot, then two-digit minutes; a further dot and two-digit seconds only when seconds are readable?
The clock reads 9.32
